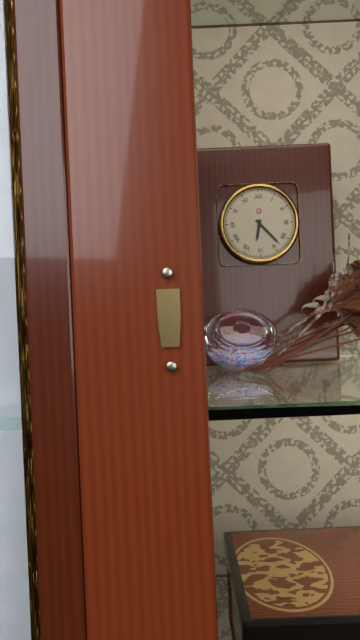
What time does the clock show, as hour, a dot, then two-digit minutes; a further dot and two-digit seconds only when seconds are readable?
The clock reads 6.23
